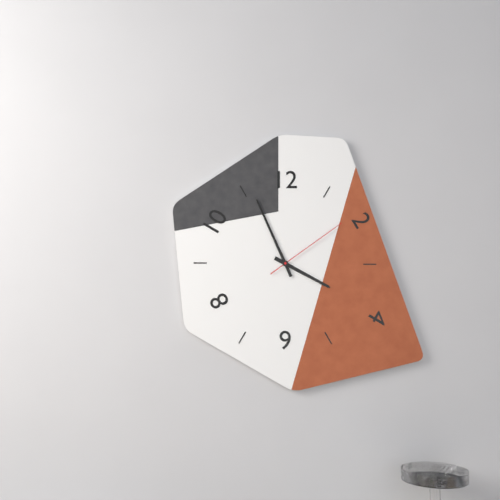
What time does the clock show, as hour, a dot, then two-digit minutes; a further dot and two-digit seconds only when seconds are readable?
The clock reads 3.56.09
